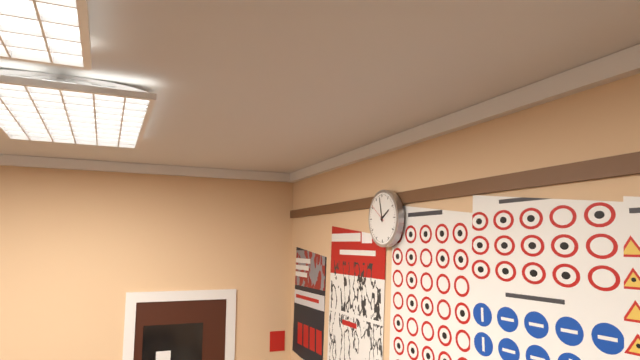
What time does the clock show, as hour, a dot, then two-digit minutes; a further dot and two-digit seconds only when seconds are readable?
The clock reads 1.58
